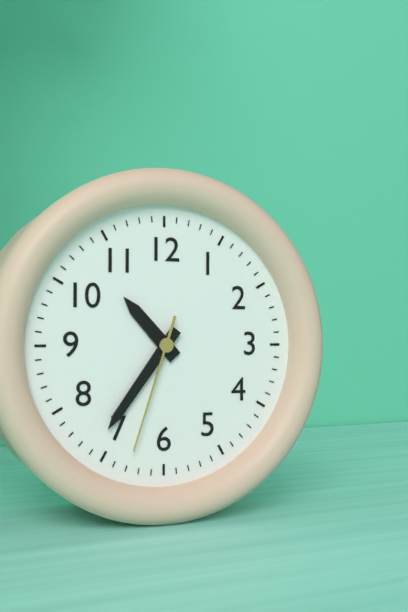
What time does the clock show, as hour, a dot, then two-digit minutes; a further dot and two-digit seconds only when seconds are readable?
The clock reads 10.36.33
